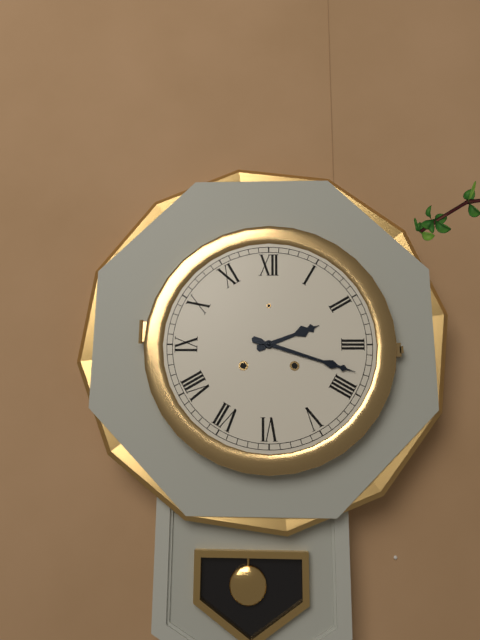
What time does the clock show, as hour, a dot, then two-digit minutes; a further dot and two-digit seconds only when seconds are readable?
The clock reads 2.18
